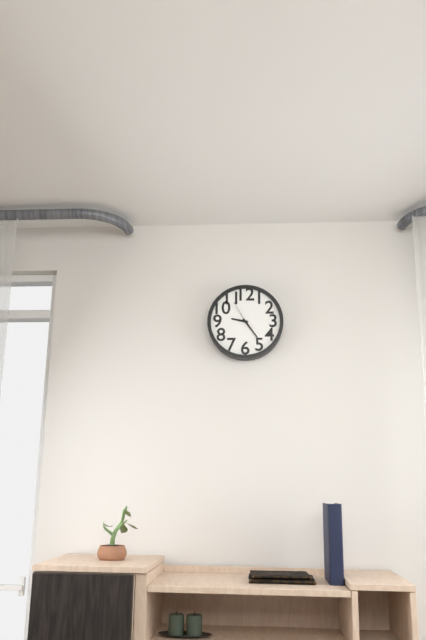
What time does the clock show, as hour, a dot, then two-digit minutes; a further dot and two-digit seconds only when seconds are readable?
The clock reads 9.24
